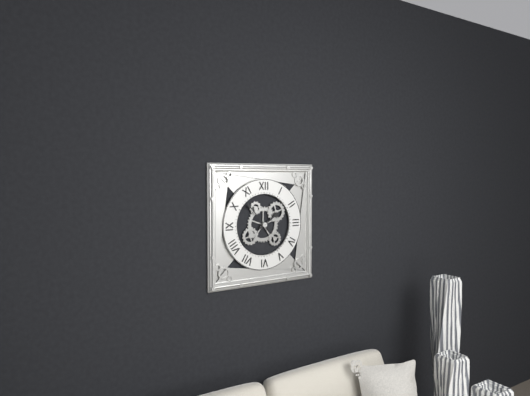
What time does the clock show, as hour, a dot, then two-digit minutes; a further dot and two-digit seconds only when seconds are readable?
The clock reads 1.53
